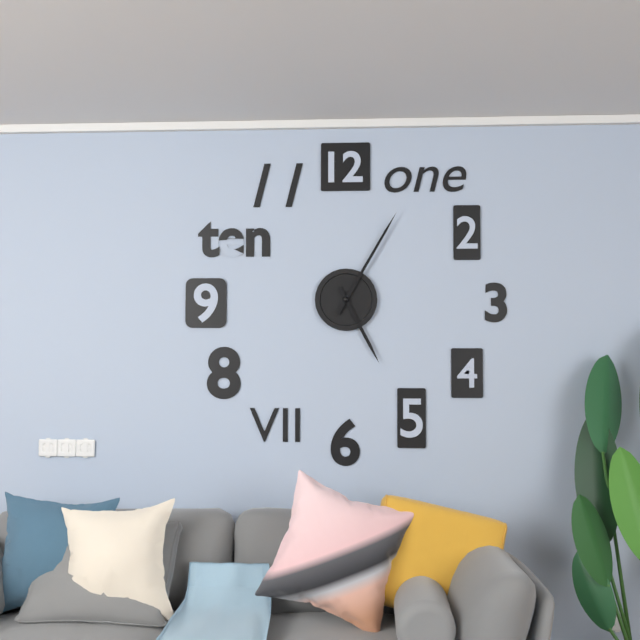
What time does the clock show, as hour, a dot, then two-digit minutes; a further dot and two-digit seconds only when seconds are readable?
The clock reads 5.05
